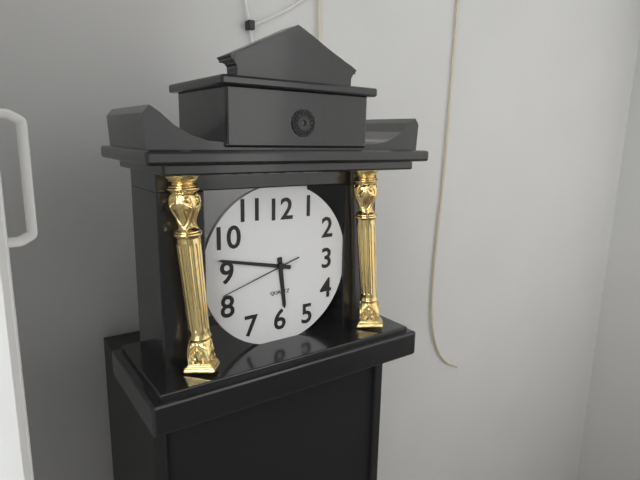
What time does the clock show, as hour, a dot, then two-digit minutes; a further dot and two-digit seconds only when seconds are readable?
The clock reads 5.47.42
